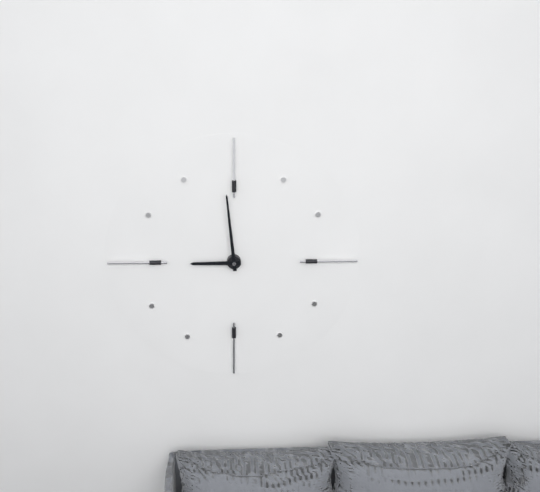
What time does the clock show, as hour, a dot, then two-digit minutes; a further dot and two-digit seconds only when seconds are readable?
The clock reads 8.59
